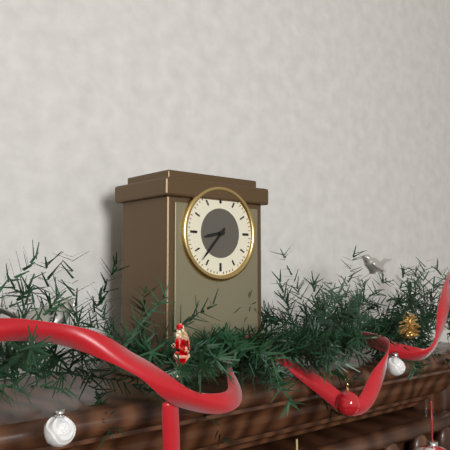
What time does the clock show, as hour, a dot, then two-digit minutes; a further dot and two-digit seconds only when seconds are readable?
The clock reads 8.37
